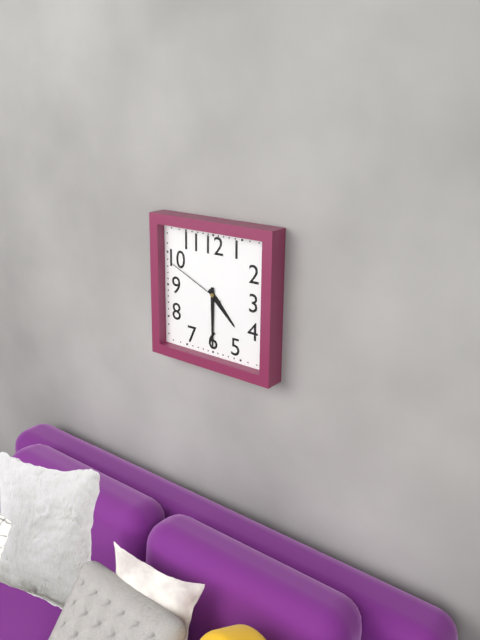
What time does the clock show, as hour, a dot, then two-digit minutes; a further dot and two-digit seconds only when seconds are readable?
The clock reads 4.30.49
